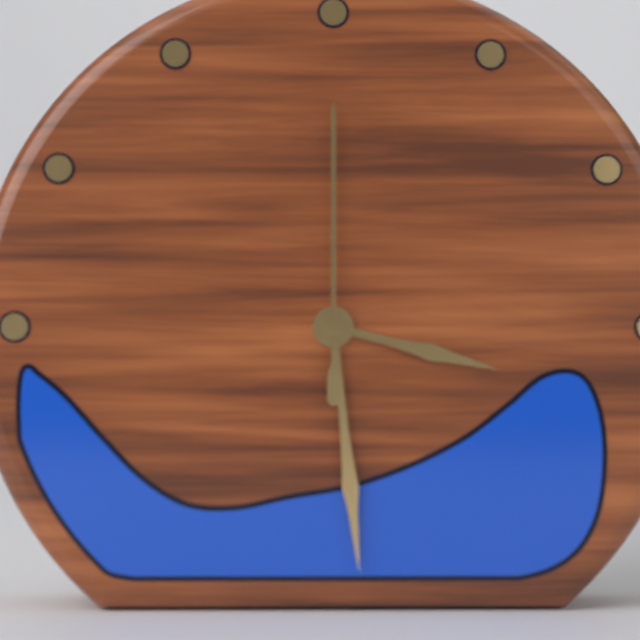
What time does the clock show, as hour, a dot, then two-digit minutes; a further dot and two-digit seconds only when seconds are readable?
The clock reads 3.29.00
